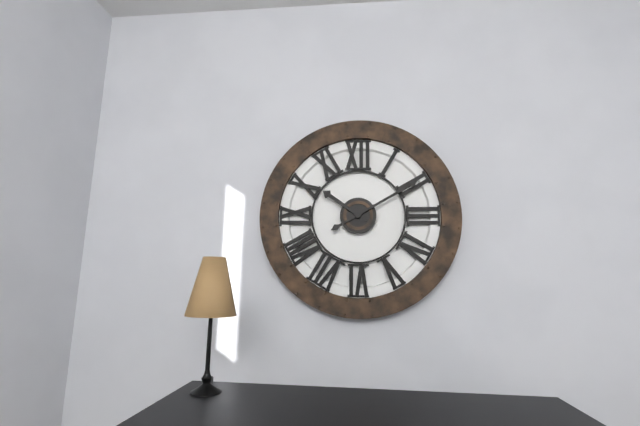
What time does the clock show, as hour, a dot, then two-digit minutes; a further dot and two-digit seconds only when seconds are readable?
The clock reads 10.10
